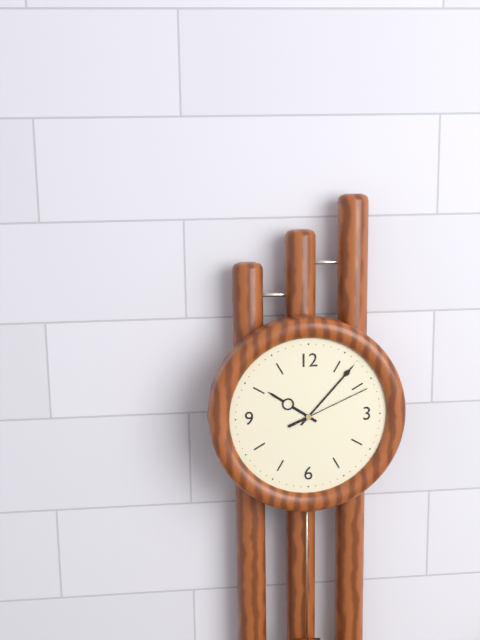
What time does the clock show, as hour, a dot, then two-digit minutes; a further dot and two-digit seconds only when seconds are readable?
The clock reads 10.07.11
